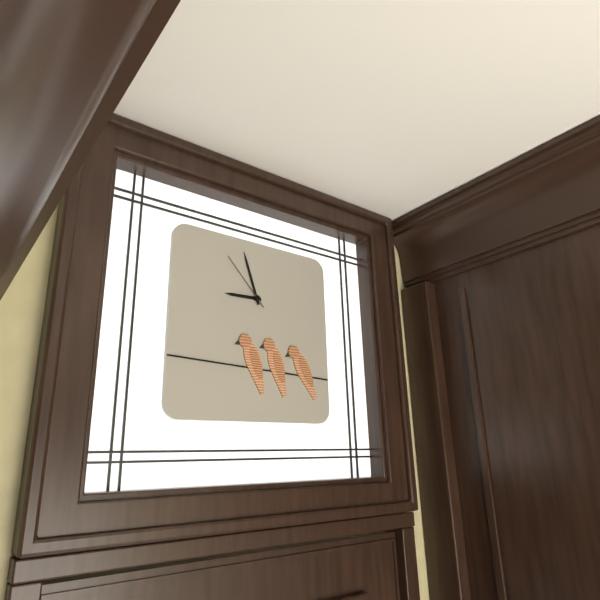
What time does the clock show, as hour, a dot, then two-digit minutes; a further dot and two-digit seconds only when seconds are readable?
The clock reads 8.57.53
